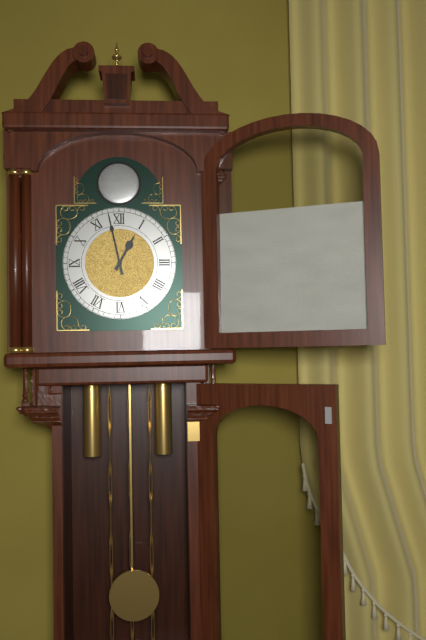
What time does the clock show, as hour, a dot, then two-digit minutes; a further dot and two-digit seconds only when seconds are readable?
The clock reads 12.58
